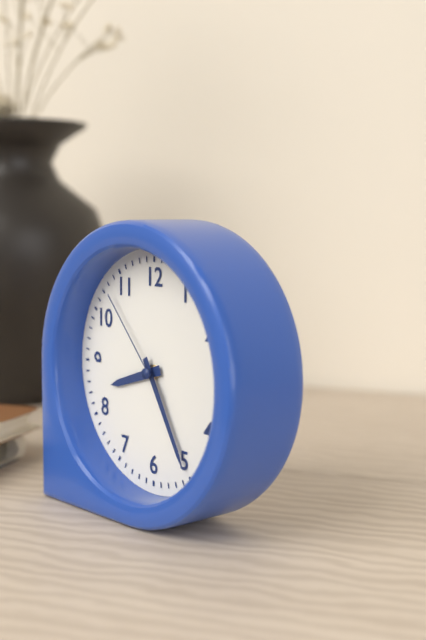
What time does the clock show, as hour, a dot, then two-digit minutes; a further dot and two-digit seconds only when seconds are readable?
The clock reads 8.25.53
